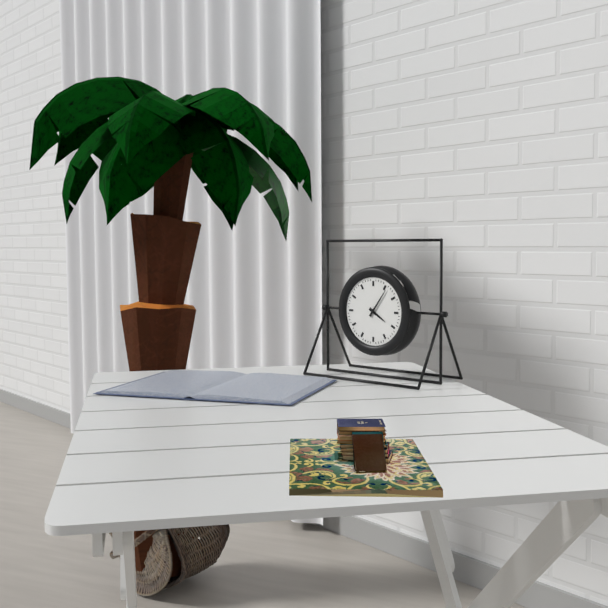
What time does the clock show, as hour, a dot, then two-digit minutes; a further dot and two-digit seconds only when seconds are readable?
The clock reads 4.06
